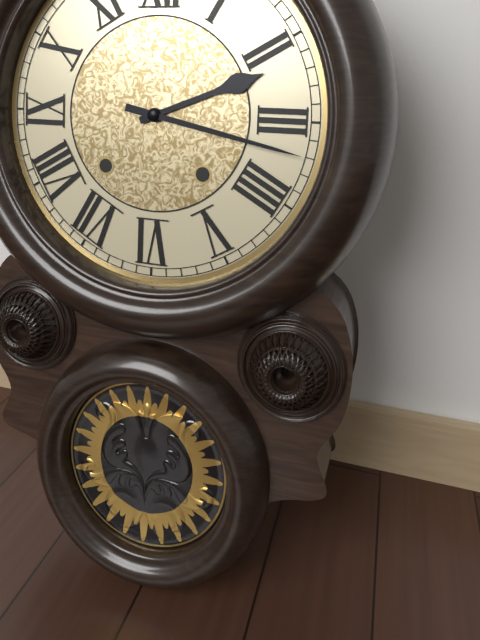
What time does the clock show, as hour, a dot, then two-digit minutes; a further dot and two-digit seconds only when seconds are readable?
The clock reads 2.17
